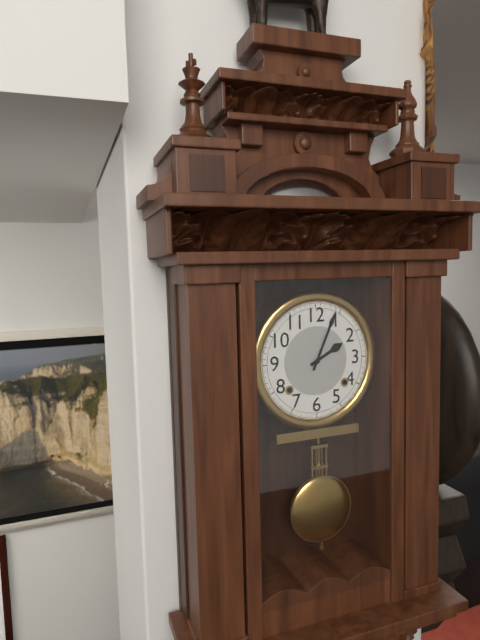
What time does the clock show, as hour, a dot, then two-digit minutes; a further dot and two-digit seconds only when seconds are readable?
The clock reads 2.04
